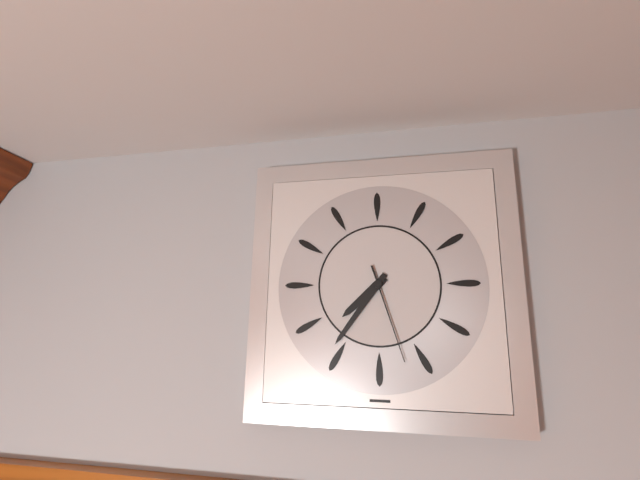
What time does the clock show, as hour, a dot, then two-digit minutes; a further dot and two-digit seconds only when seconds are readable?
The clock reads 7.36.27
